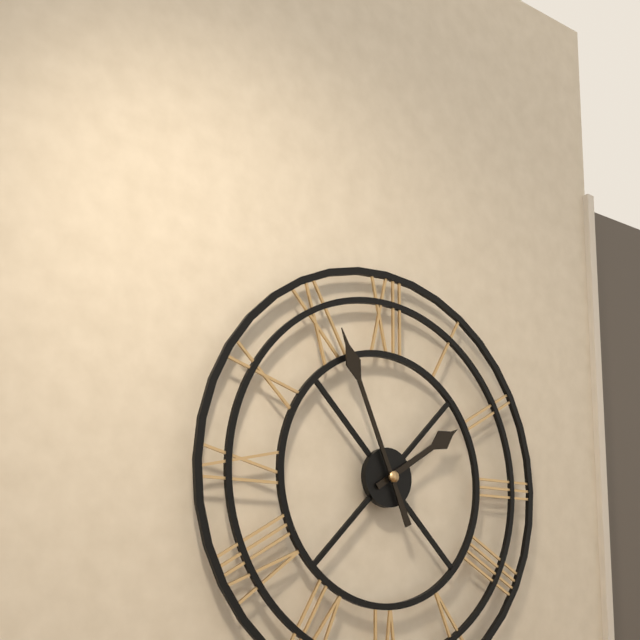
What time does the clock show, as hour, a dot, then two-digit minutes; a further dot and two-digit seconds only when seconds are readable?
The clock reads 1.56
